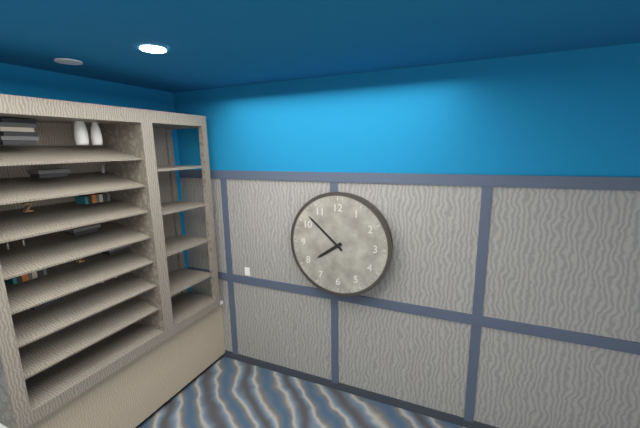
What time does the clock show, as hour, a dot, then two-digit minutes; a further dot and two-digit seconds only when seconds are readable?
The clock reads 7.52
